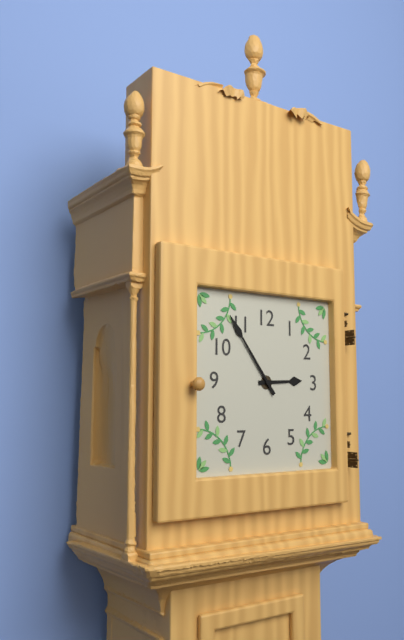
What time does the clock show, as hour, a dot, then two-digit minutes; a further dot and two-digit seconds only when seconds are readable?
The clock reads 2.54
